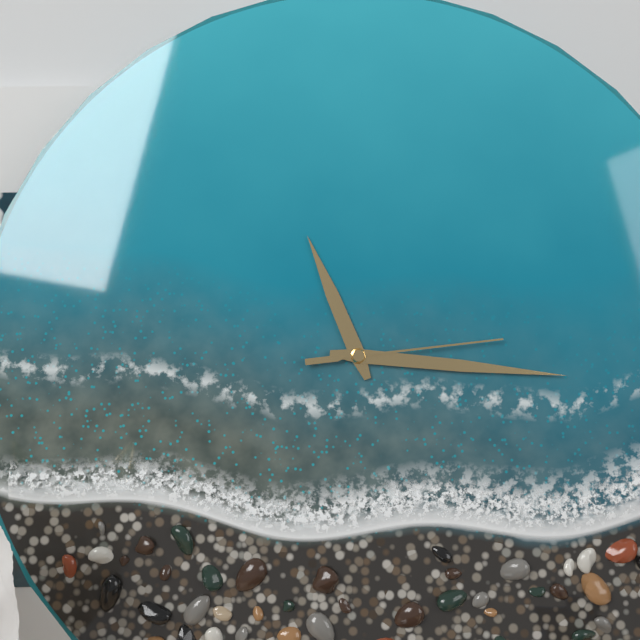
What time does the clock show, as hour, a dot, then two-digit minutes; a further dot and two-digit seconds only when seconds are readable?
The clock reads 11.16.14
